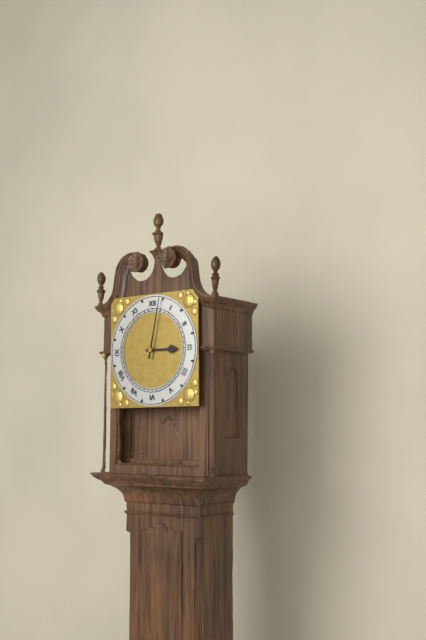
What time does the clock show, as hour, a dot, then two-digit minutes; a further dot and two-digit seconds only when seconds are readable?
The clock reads 3.02
